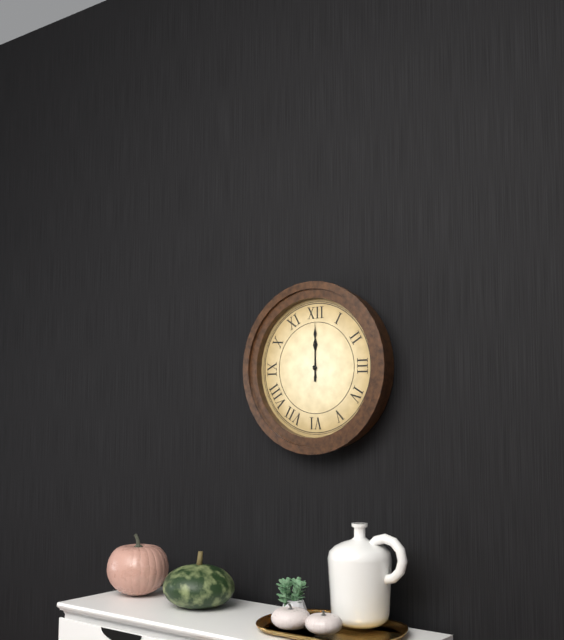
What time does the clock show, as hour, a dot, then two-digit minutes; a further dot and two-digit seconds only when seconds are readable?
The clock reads 12.00
